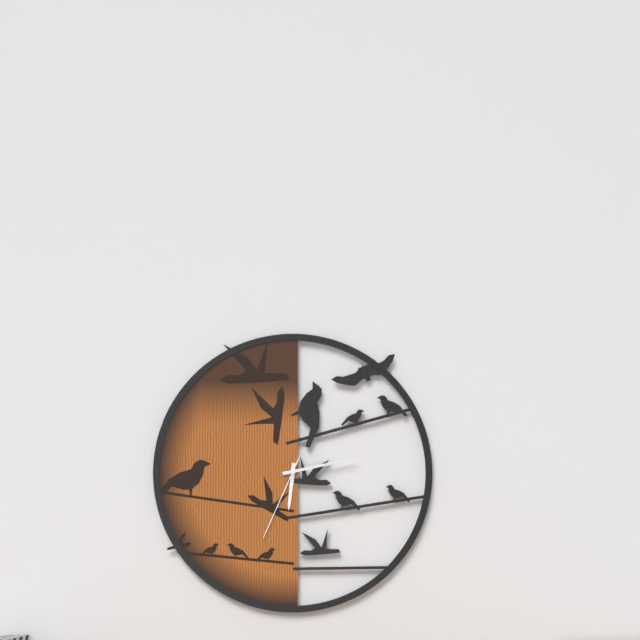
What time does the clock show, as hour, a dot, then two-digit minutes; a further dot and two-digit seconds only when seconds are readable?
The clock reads 6.13.34
